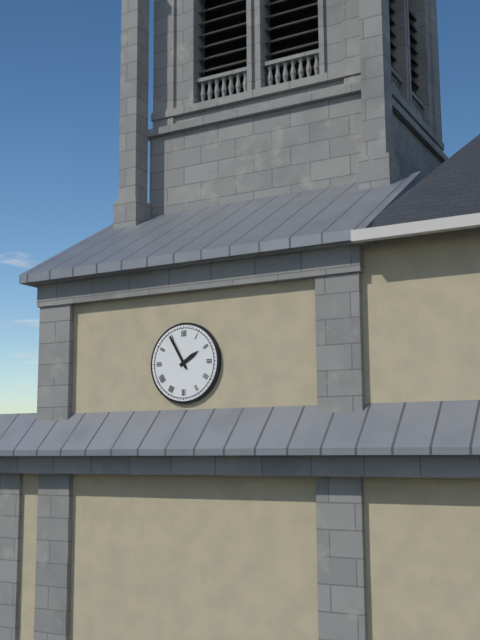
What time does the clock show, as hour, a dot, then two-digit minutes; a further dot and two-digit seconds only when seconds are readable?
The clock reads 1.55
